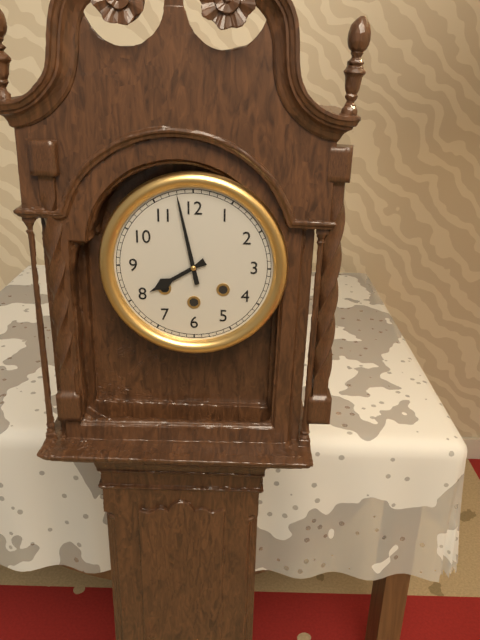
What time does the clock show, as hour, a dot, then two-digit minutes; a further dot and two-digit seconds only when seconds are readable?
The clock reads 7.58
